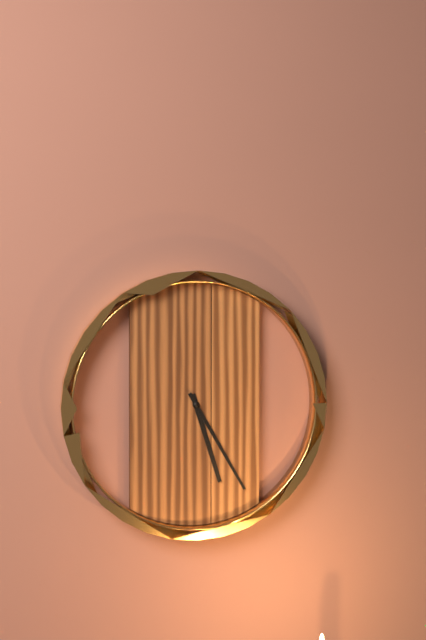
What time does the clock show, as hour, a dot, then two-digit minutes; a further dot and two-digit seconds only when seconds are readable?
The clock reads 5.25
